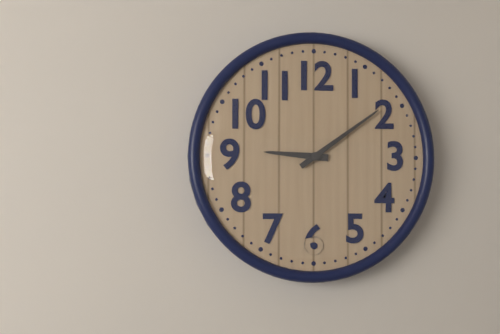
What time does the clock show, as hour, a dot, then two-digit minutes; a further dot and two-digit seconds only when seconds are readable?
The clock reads 9.09
